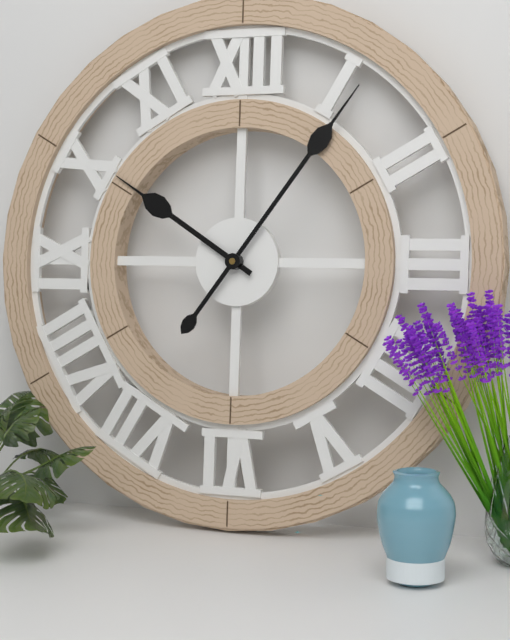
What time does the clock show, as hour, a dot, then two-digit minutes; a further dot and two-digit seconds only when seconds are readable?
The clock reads 10.06
